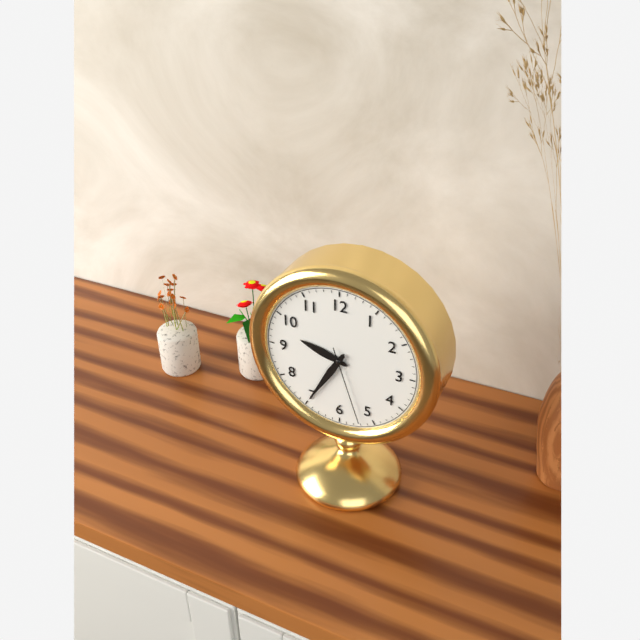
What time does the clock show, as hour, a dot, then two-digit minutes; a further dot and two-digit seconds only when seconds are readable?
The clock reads 9.35.27
